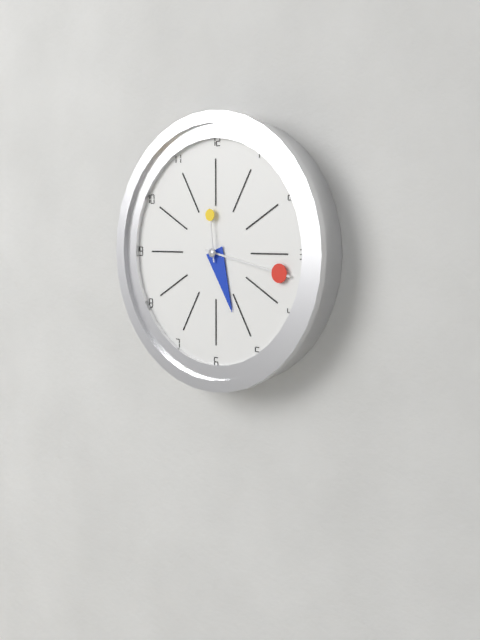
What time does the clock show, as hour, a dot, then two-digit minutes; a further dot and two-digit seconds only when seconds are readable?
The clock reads 5.17.59
